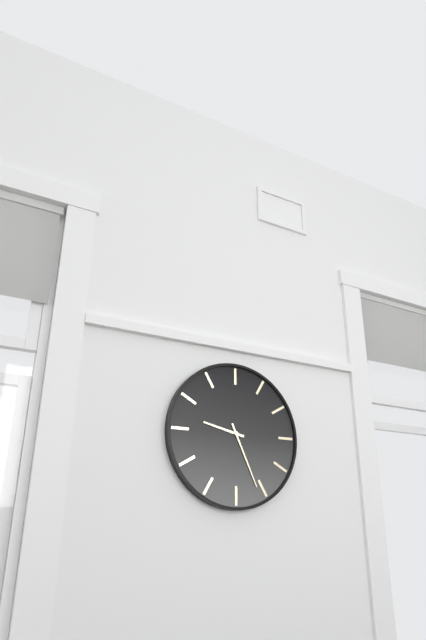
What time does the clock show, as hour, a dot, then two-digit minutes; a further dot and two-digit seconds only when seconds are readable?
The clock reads 9.26
